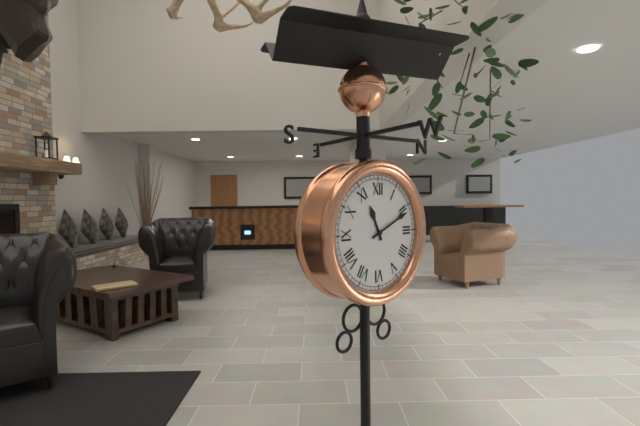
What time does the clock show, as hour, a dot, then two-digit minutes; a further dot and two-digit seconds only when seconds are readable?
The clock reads 11.11
